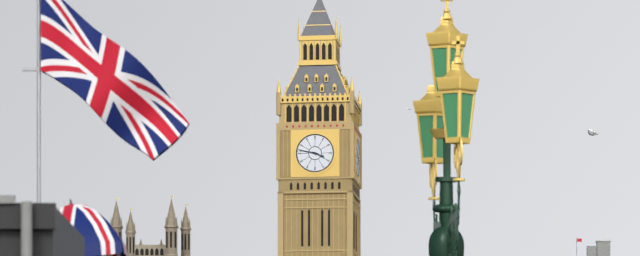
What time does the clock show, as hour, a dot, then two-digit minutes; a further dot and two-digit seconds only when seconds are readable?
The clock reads 3.47
